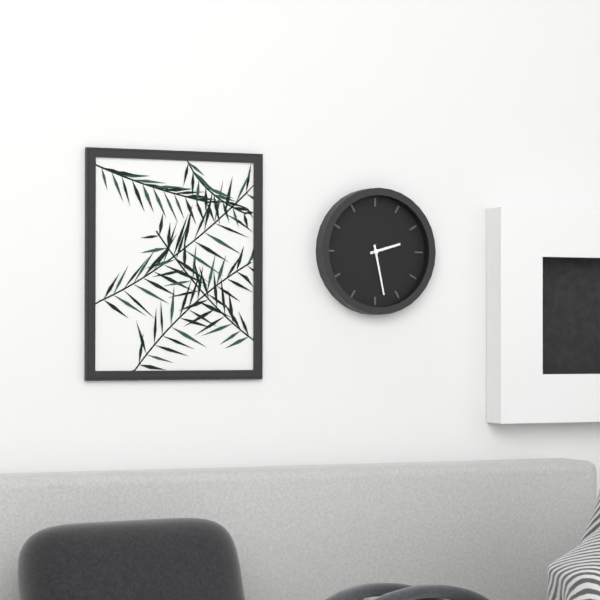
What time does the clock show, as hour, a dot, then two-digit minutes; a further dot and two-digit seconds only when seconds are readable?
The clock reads 2.28
